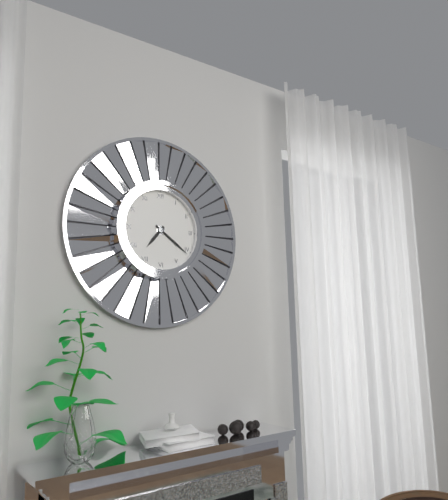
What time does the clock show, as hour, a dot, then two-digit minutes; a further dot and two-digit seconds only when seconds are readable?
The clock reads 7.21
